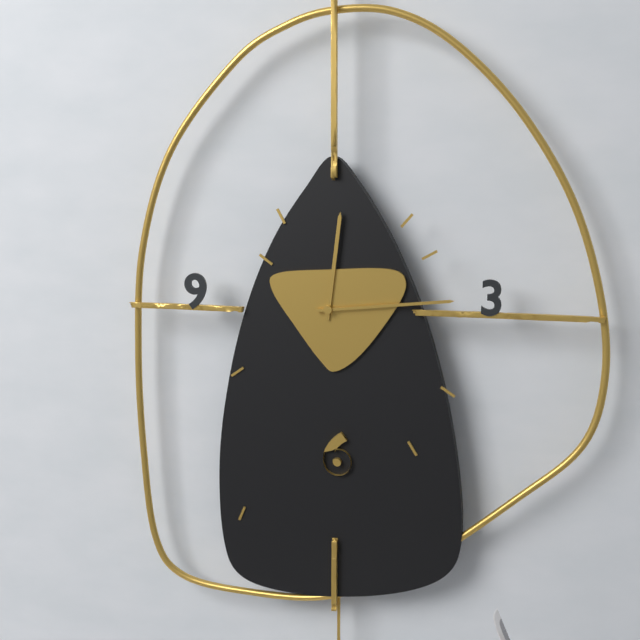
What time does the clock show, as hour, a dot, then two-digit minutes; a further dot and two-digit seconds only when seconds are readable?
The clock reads 12.14
